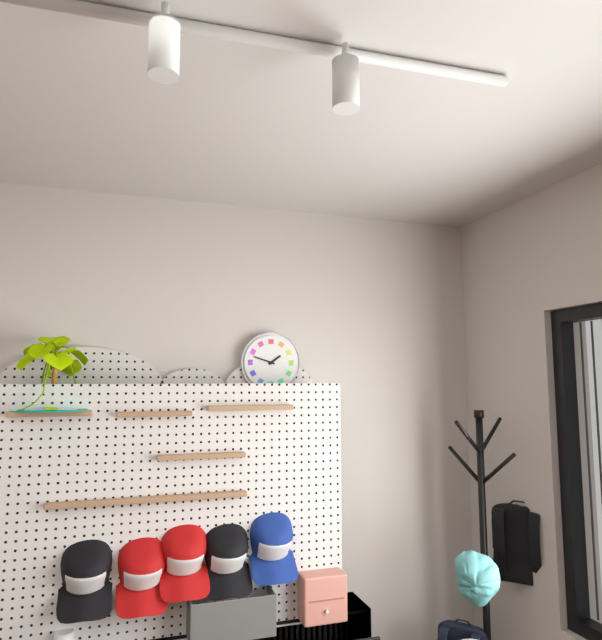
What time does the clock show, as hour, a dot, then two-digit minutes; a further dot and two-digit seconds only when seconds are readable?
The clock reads 1.48
